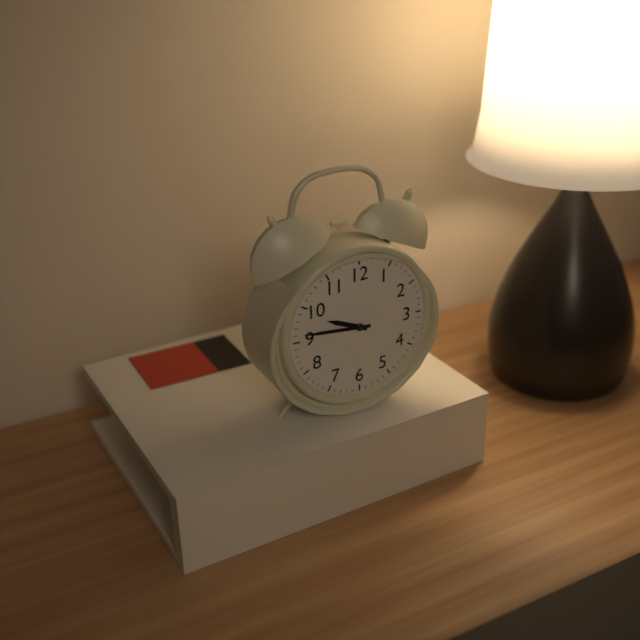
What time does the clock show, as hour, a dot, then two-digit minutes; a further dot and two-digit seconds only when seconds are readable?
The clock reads 9.46
